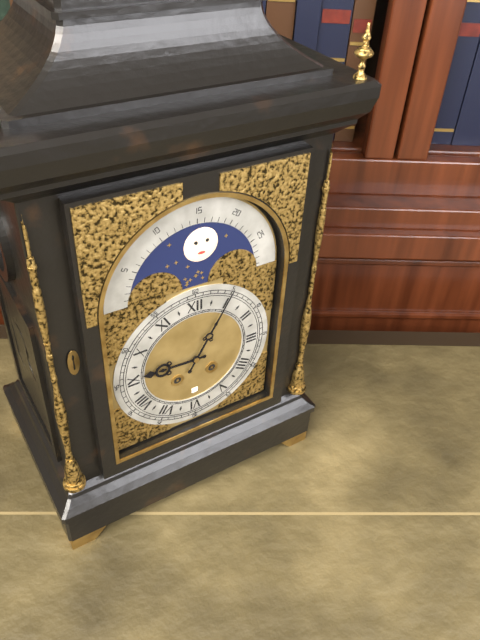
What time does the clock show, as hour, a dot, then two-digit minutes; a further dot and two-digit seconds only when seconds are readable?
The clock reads 9.05
